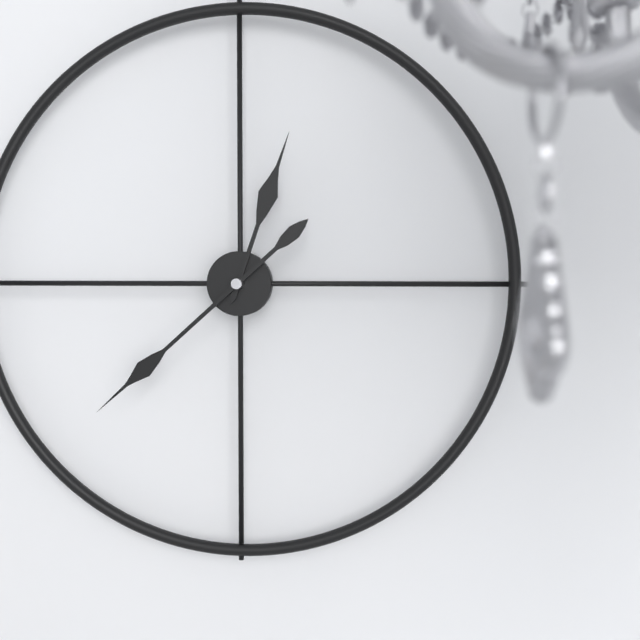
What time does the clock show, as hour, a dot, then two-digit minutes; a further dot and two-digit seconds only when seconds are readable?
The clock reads 12.38
